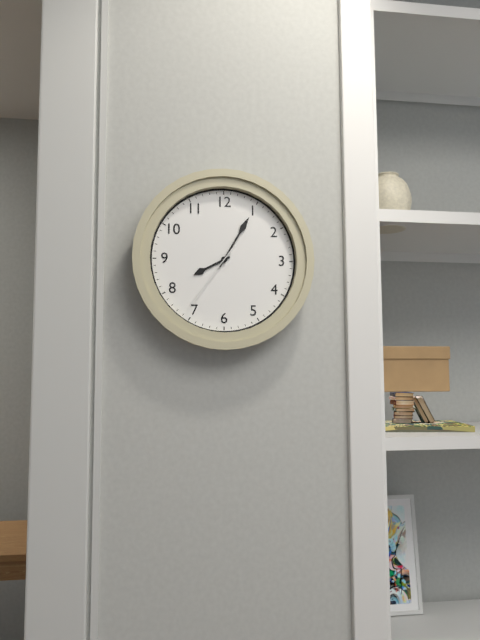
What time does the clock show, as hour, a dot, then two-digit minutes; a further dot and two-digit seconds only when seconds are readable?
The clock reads 8.05.36
